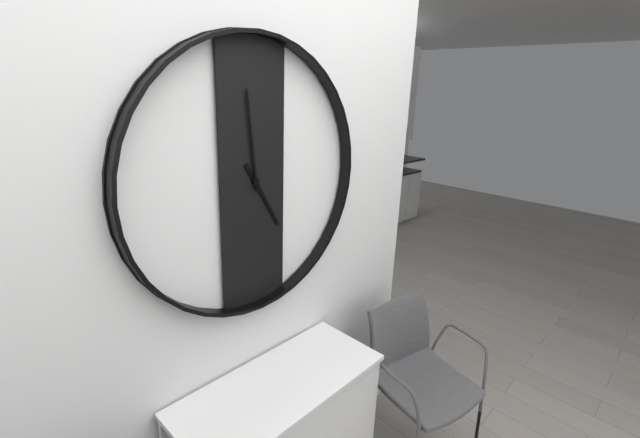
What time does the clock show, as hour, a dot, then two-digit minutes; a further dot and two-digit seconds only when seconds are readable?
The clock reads 4.59
